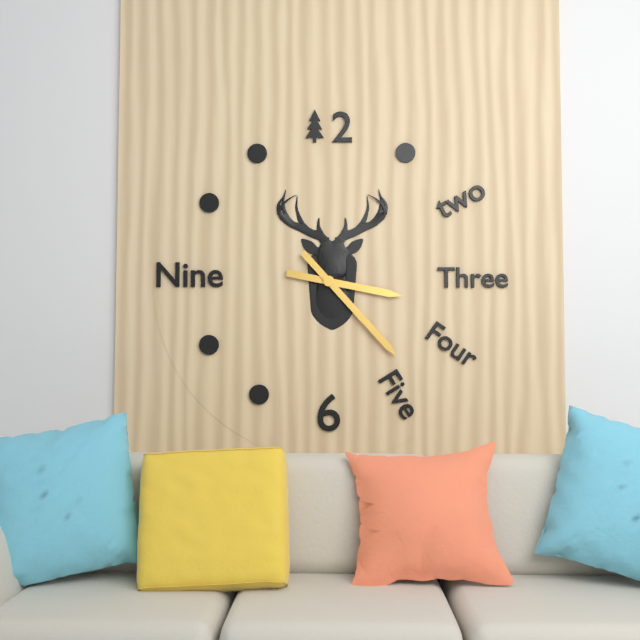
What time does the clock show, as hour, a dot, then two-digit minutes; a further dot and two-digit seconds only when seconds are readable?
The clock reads 3.23
